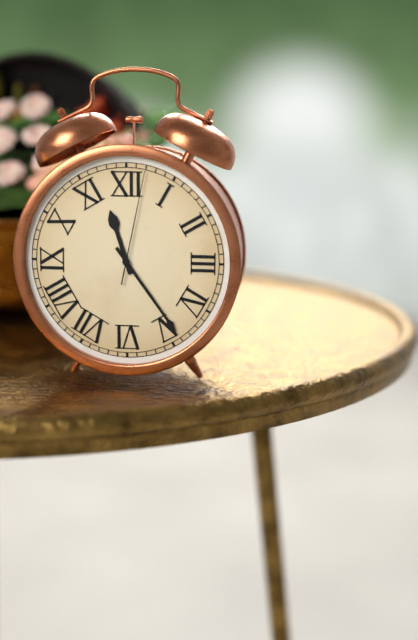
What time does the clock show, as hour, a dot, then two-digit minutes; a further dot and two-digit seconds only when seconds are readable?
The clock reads 11.24.02
